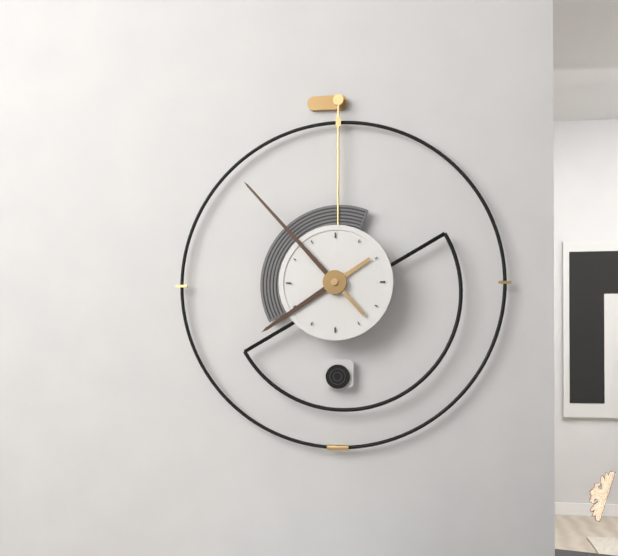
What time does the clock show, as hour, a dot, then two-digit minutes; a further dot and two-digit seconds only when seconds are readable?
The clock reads 7.53
